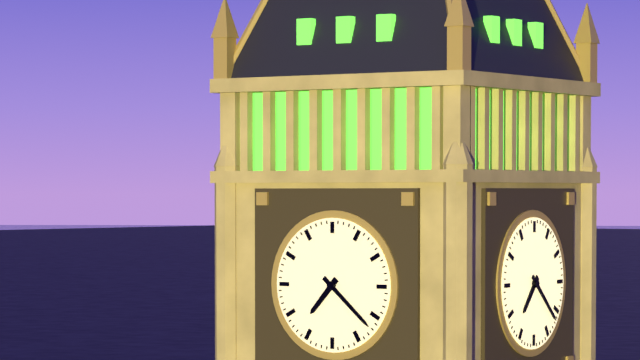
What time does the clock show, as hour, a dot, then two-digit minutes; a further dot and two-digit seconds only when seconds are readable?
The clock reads 7.22
